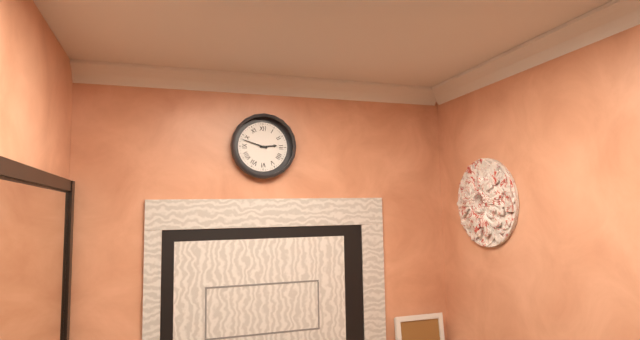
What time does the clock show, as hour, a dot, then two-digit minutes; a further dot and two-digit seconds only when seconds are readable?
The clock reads 2.48
